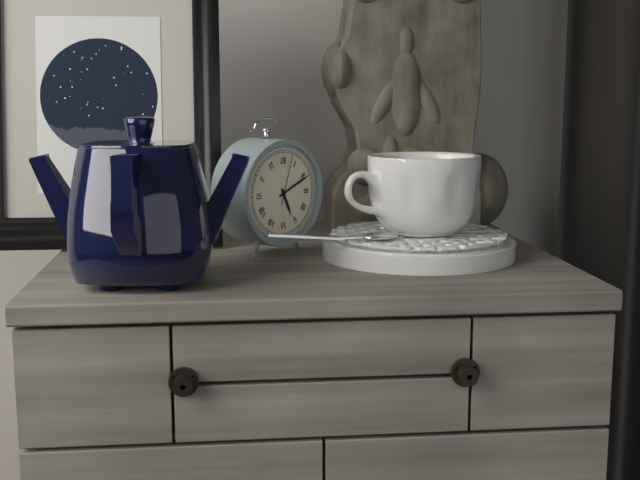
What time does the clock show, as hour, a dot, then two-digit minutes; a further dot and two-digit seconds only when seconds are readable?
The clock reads 5.11.03
